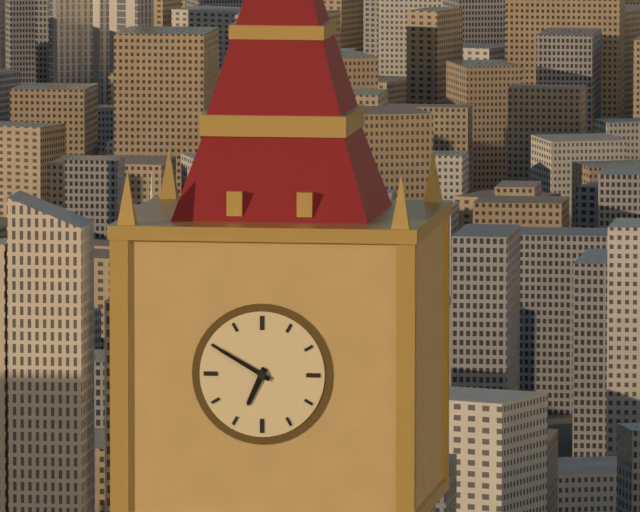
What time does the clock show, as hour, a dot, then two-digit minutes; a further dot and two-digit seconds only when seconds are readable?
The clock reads 6.50
